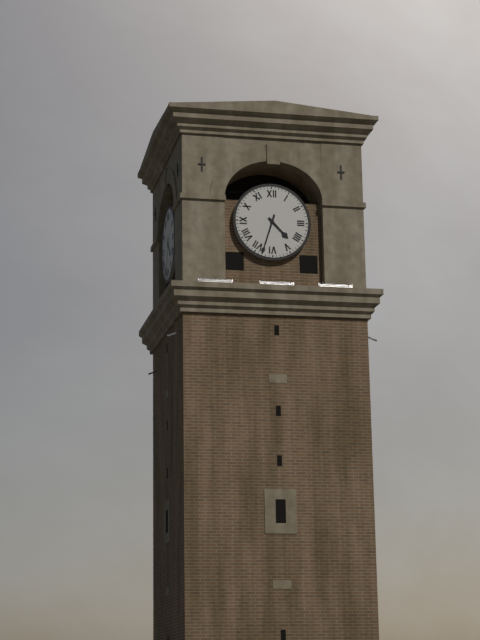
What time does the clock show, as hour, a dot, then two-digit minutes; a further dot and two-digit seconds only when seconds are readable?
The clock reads 4.33
